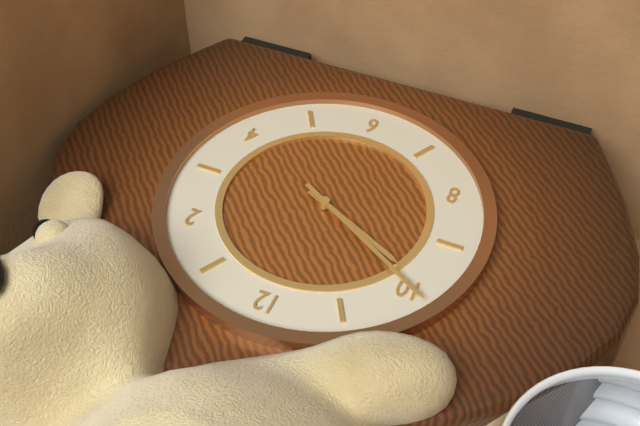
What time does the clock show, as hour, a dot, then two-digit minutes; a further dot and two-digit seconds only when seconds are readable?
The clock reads 9.50
